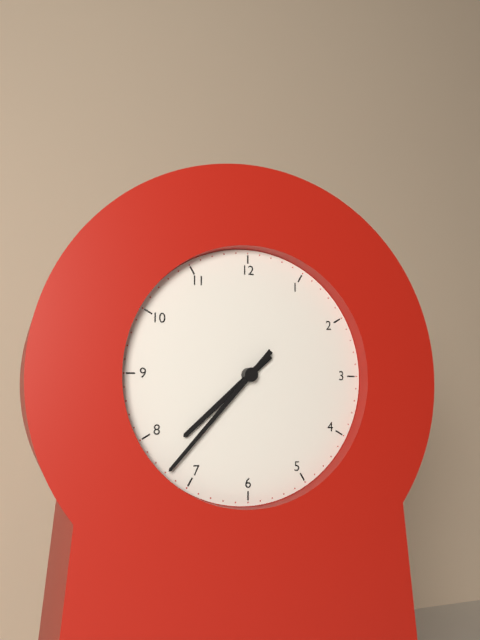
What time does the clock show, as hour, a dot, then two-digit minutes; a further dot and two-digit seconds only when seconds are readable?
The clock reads 7.37
